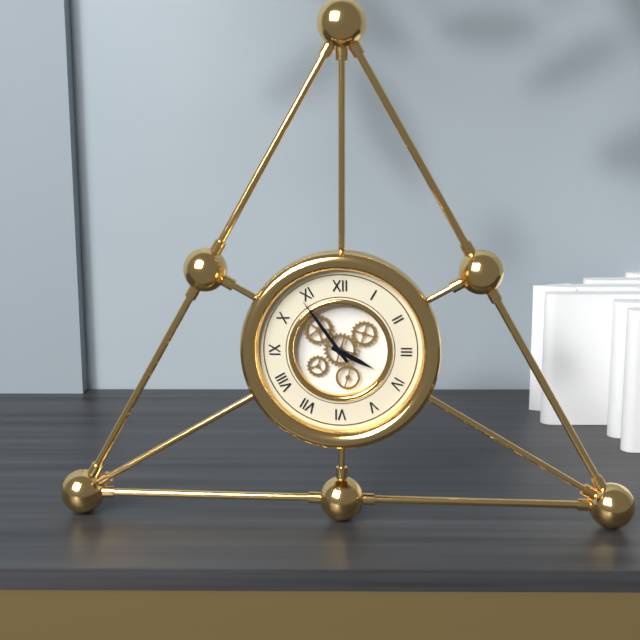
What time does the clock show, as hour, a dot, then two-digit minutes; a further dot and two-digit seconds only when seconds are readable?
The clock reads 3.54
